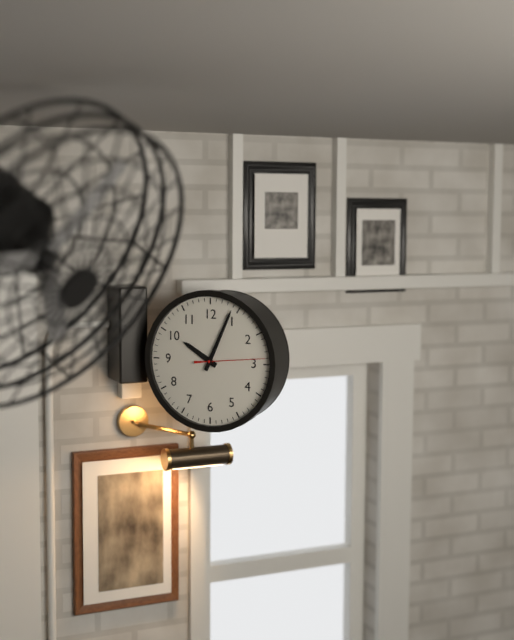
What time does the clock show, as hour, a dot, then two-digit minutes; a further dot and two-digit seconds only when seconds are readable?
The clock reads 10.04.14
